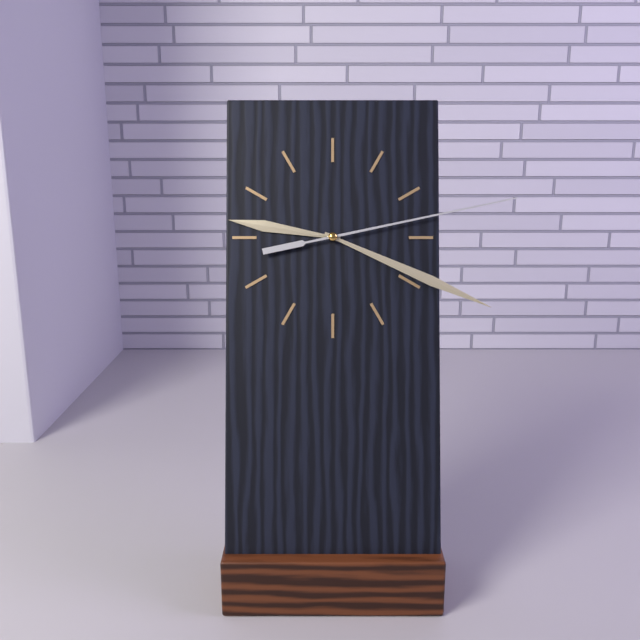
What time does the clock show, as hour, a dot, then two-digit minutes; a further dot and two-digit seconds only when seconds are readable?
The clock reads 9.19.13
